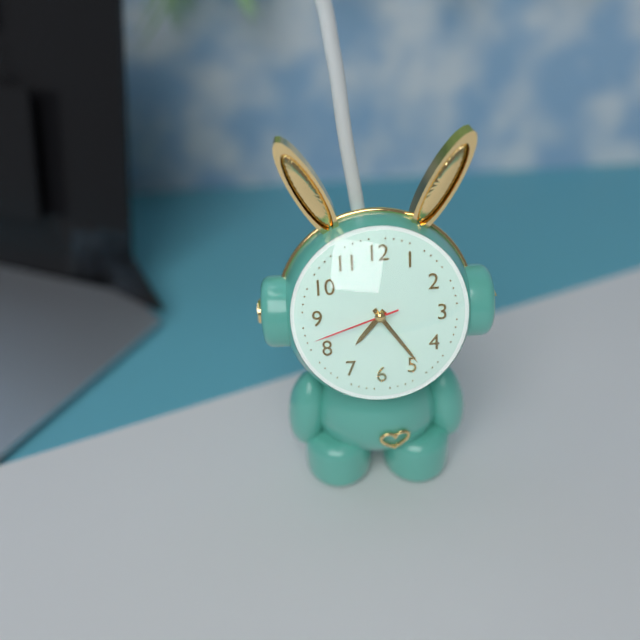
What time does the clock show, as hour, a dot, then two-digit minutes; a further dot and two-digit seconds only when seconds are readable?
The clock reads 7.24.42
